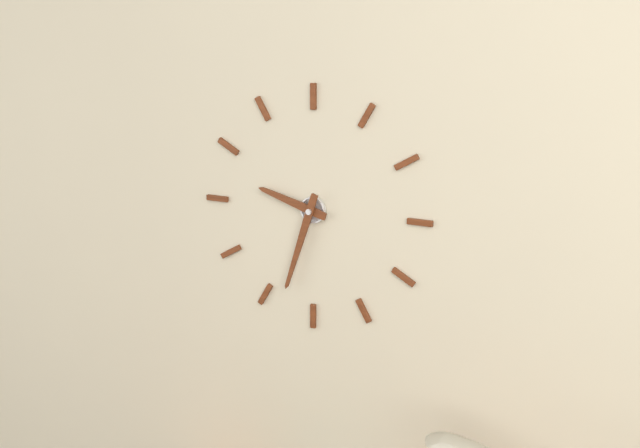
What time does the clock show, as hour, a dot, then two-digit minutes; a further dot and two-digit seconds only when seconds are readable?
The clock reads 9.33
